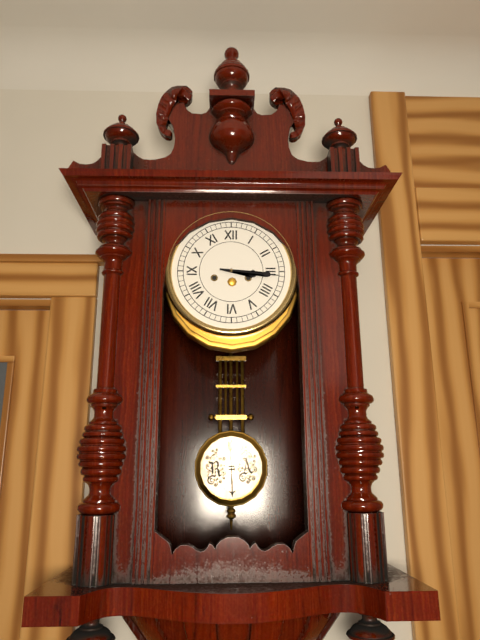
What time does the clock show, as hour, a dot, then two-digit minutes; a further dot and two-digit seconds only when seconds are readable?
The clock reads 3.16
